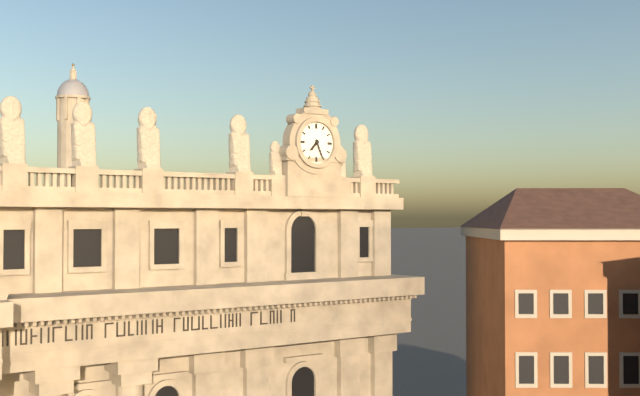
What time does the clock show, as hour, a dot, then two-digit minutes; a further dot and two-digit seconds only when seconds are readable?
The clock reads 7.26
